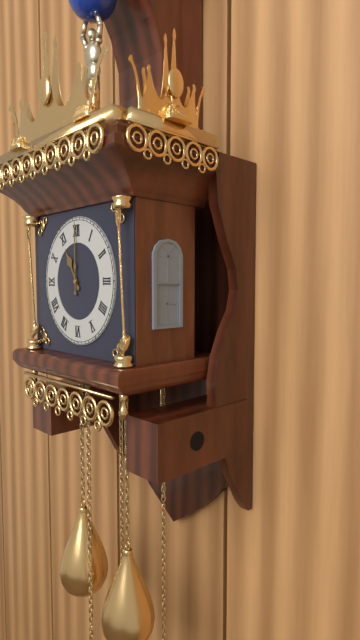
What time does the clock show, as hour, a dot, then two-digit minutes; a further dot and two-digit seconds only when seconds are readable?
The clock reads 11.00
